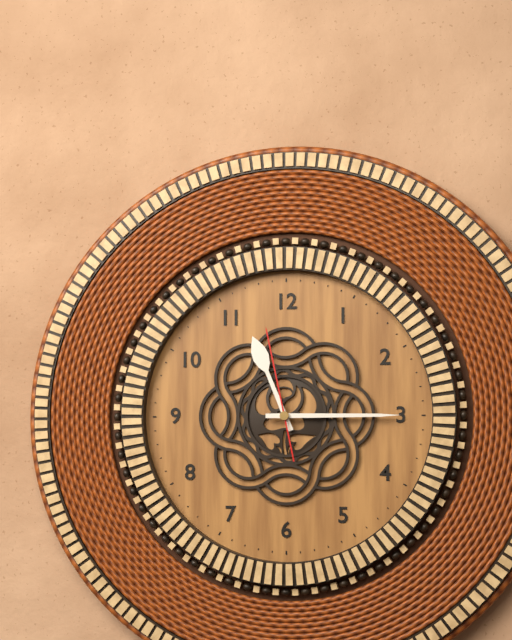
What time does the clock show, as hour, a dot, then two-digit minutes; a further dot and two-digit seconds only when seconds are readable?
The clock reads 11.15.58
